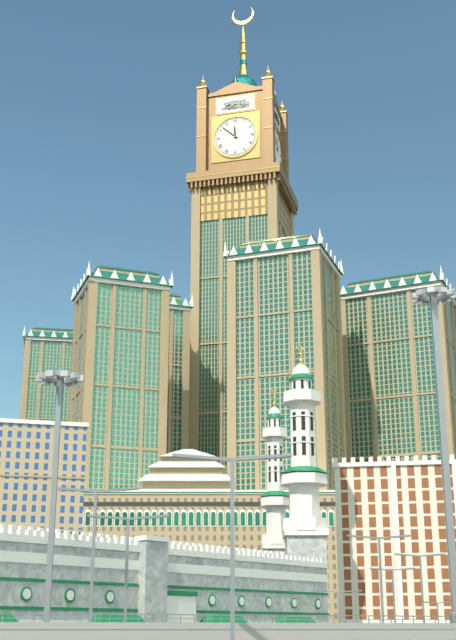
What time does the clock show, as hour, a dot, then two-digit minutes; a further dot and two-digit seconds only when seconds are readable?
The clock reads 11.52
